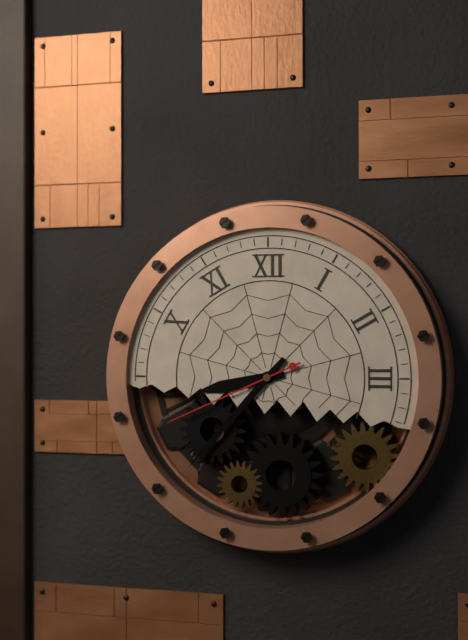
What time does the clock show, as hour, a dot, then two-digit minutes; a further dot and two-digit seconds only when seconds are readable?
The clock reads 8.37.41
